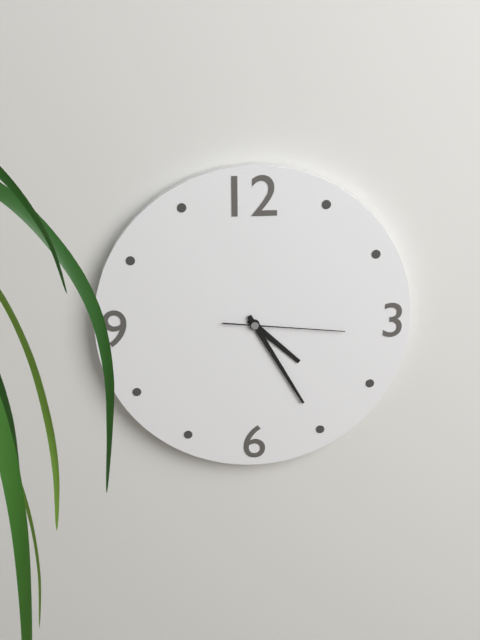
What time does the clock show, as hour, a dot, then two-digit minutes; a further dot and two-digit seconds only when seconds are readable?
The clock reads 4.25.16
